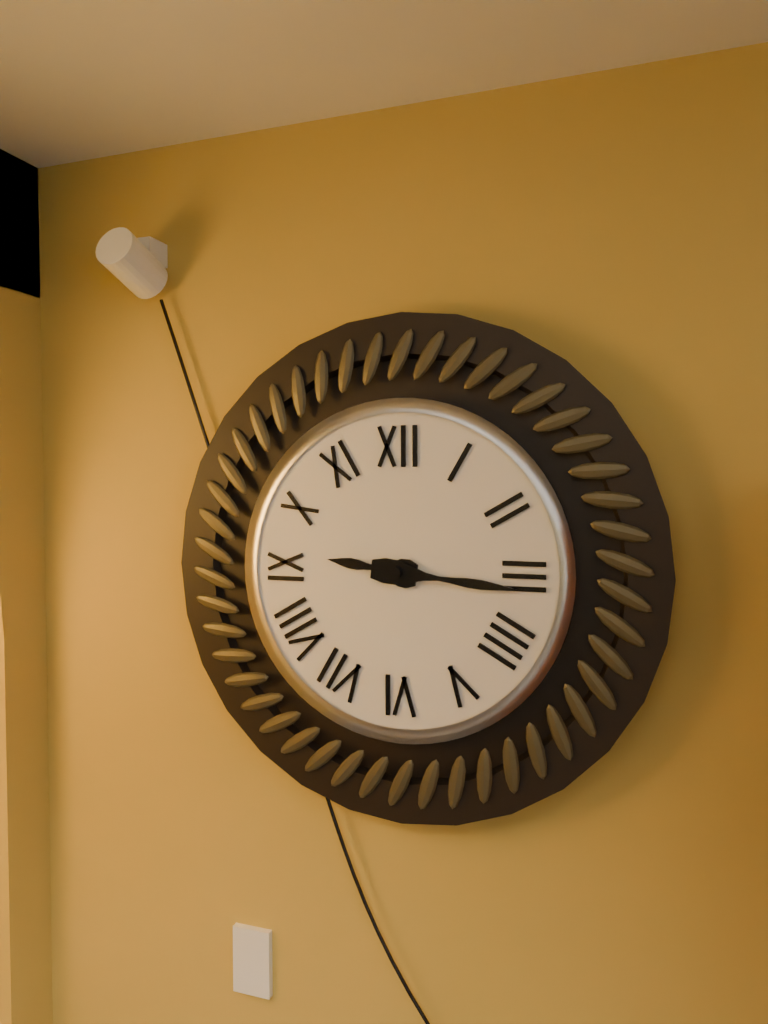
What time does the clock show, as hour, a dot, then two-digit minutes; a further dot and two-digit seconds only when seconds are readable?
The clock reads 9.16
